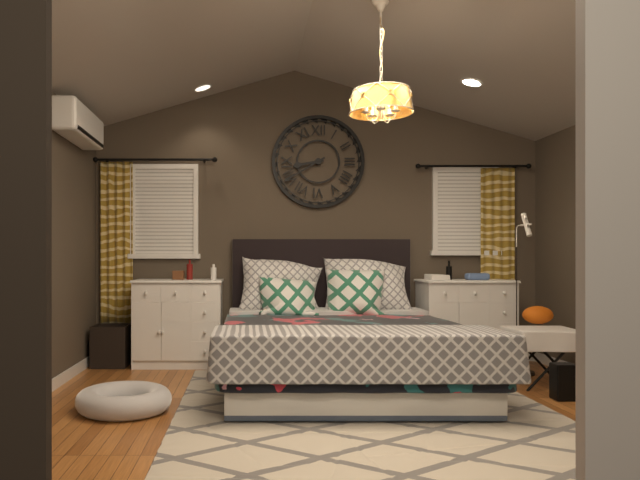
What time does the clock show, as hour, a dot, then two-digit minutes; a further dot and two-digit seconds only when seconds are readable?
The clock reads 8.40
